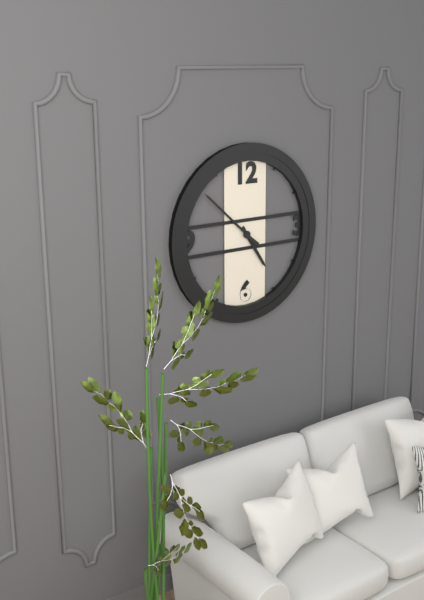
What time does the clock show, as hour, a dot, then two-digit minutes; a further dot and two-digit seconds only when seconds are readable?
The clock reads 4.52
